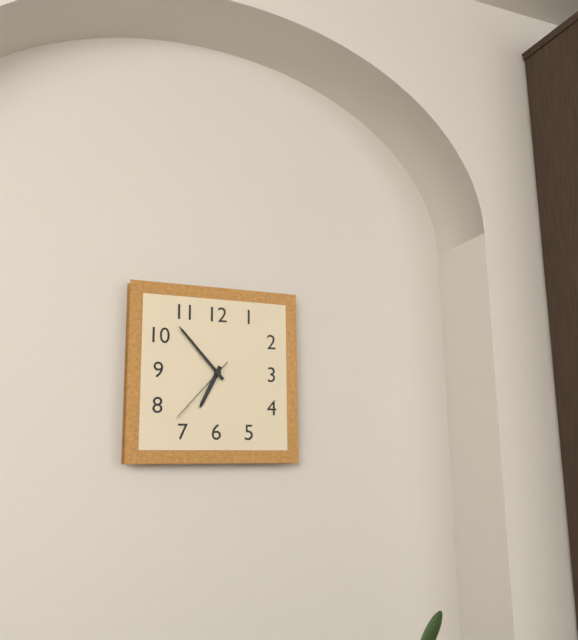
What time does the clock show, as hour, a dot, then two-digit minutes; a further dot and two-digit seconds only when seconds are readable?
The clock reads 6.53.37
